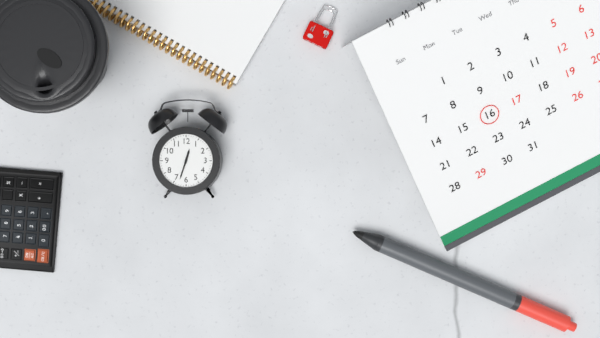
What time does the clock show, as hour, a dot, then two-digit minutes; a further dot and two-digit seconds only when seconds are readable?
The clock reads 12.33
